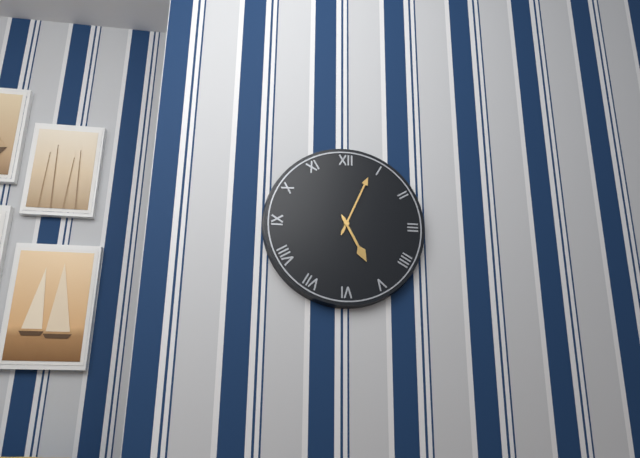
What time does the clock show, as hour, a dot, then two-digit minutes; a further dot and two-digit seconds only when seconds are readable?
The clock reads 5.04
